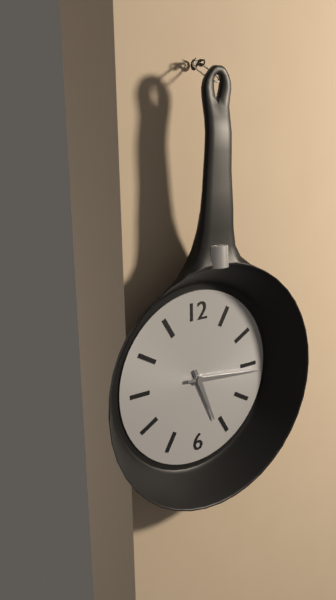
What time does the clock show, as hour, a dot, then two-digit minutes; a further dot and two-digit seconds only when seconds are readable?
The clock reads 5.16
